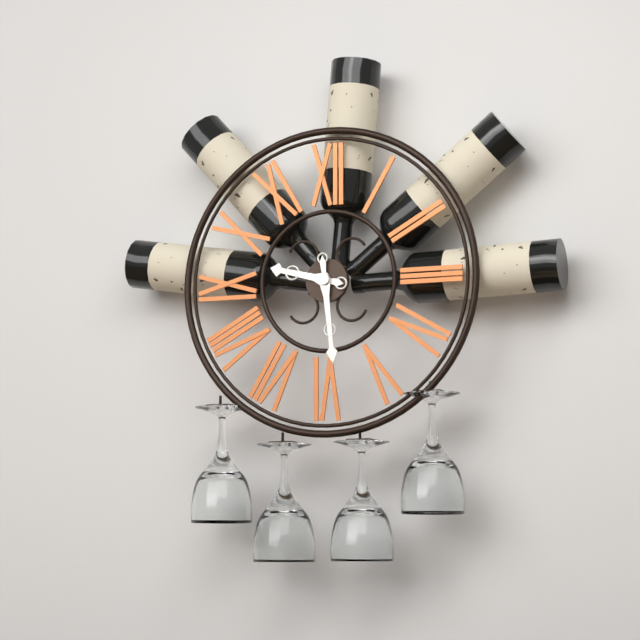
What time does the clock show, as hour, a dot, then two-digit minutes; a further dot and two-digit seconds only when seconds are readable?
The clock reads 9.29
